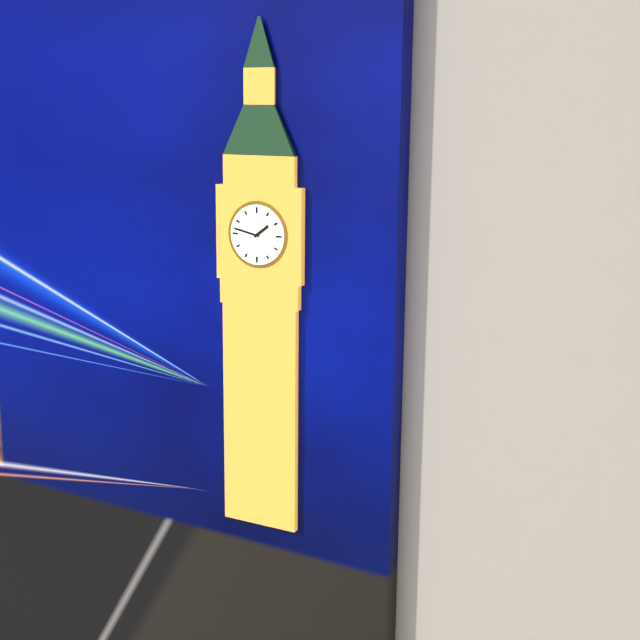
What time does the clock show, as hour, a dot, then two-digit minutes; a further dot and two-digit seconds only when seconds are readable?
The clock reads 1.47
